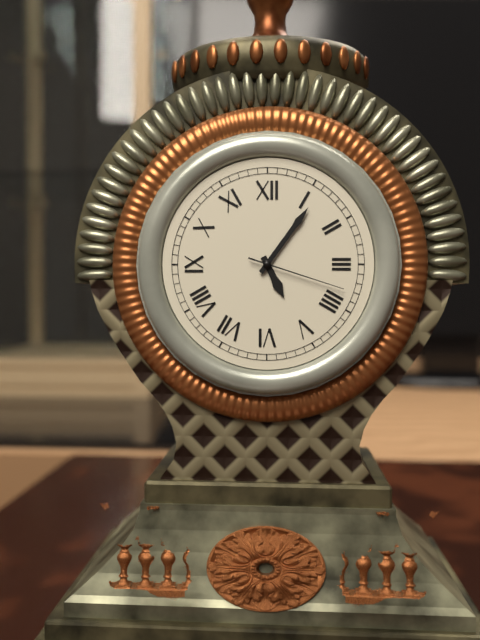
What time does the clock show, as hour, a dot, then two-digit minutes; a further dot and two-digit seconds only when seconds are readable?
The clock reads 5.06.18
